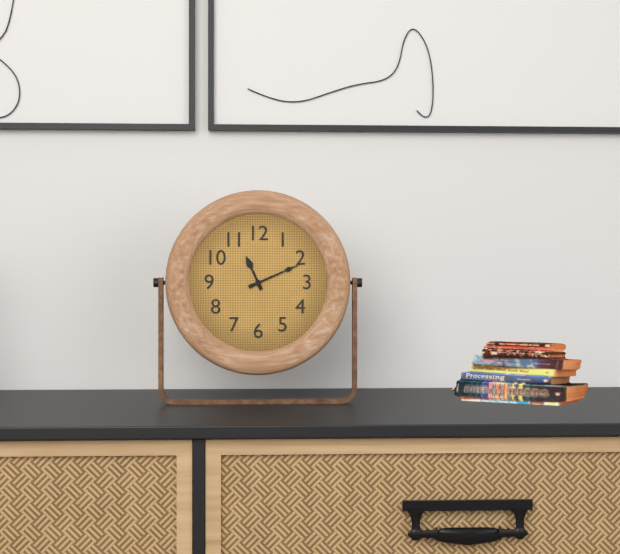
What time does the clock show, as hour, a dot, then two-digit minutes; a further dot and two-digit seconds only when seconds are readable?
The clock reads 11.11
